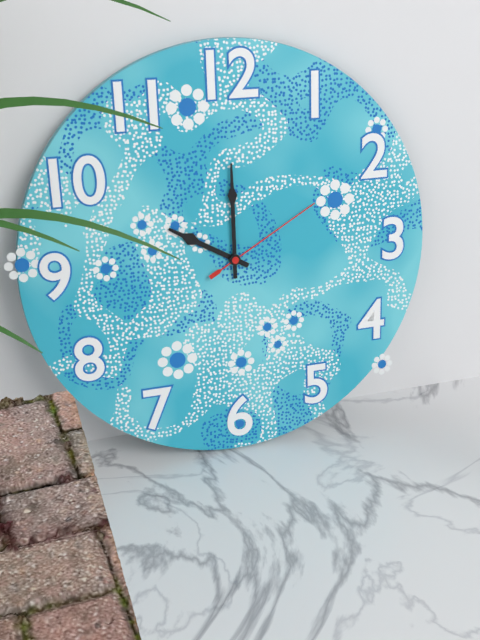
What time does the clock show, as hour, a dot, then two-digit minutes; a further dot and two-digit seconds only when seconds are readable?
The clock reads 10.00.10
